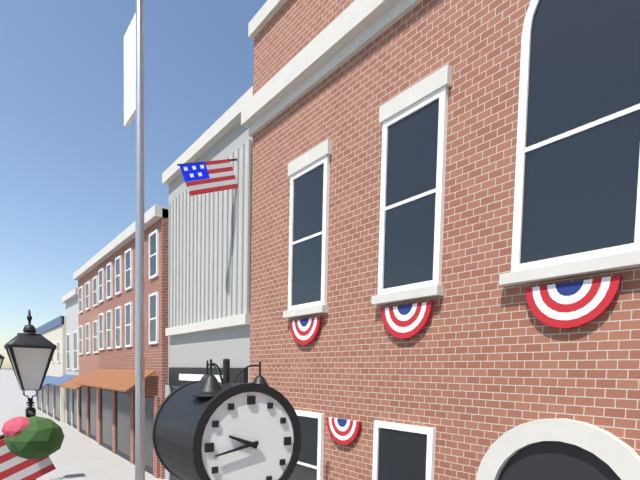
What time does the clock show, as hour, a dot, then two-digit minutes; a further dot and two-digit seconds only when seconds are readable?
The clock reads 9.43
